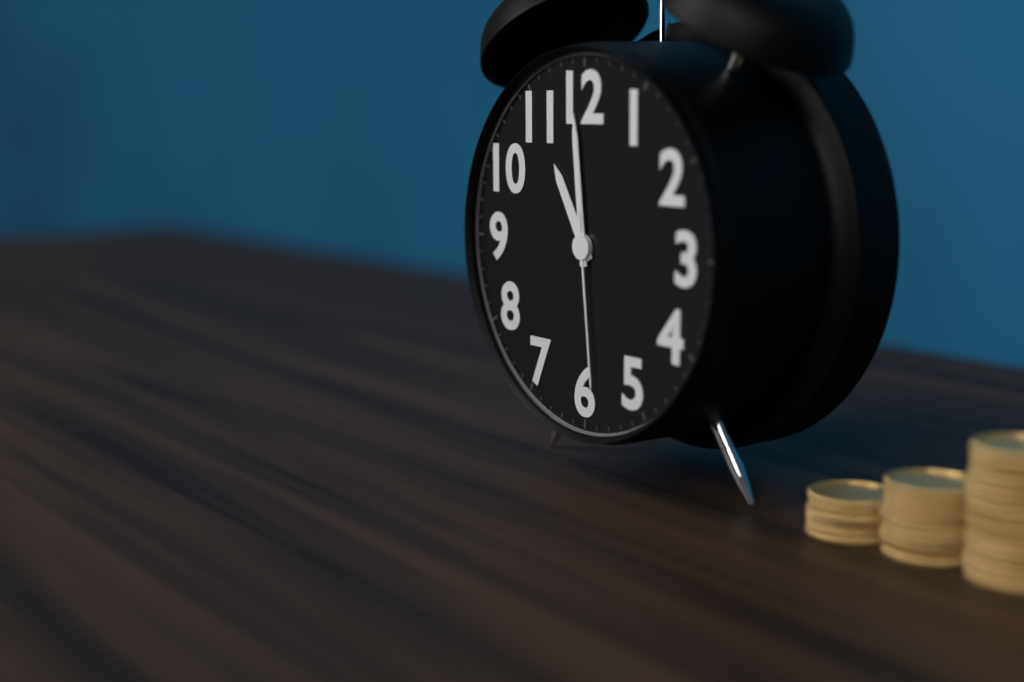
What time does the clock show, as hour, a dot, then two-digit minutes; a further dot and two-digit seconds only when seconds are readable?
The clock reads 10.59.29
